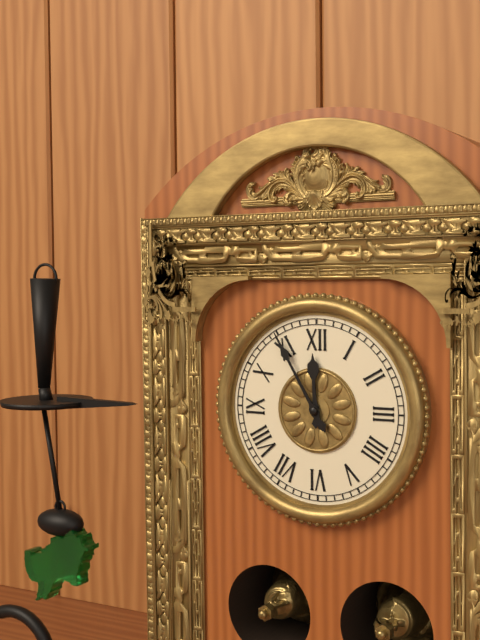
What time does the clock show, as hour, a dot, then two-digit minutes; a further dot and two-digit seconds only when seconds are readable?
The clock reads 11.55
